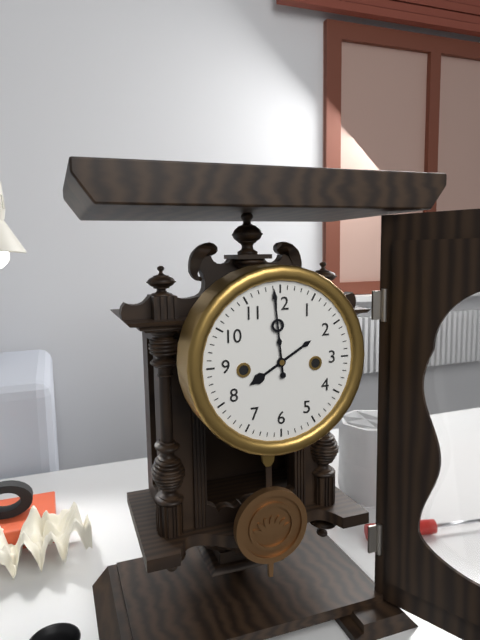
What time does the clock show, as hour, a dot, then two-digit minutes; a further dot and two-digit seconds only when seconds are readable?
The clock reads 7.59
